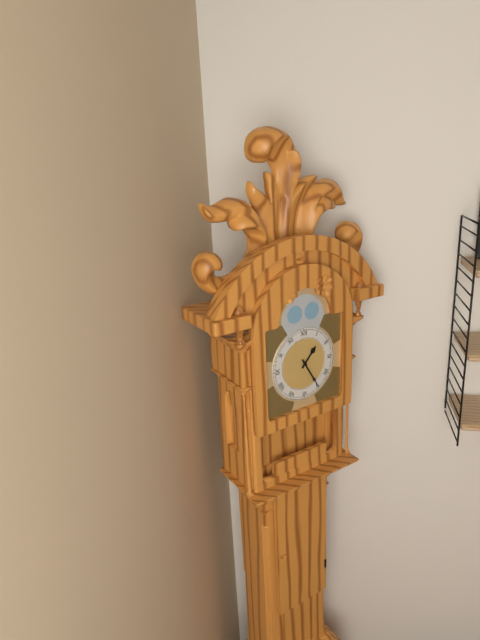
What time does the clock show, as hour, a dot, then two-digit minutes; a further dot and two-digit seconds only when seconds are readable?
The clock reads 1.25
